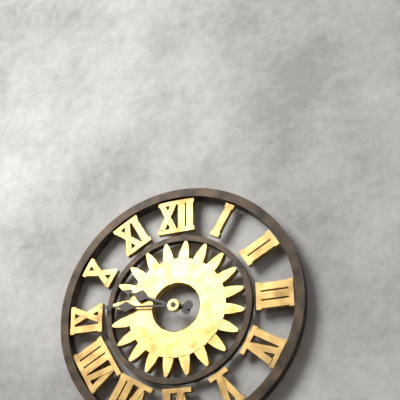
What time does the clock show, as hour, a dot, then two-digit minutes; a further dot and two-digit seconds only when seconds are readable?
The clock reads 9.46
